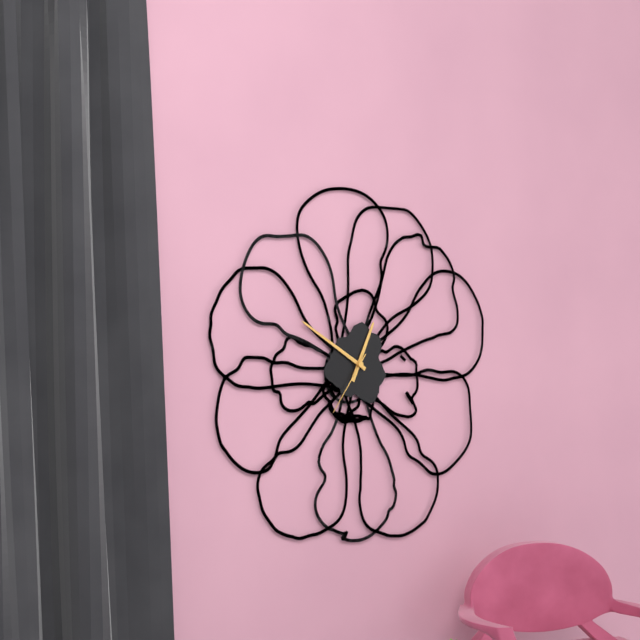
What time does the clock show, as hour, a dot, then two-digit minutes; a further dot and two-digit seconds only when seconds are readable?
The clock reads 12.50.36
